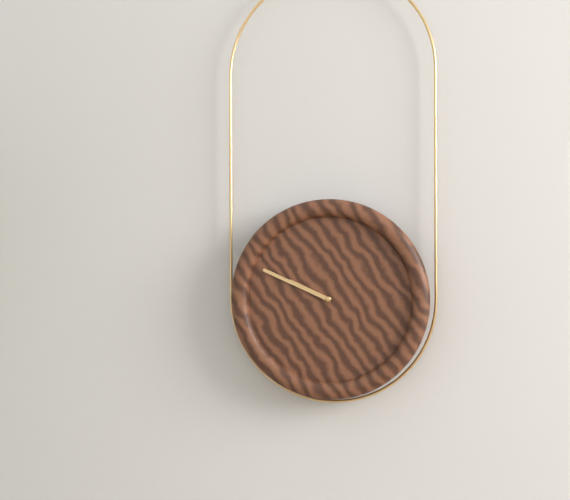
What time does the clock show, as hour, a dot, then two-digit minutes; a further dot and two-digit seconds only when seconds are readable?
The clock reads 9.49
